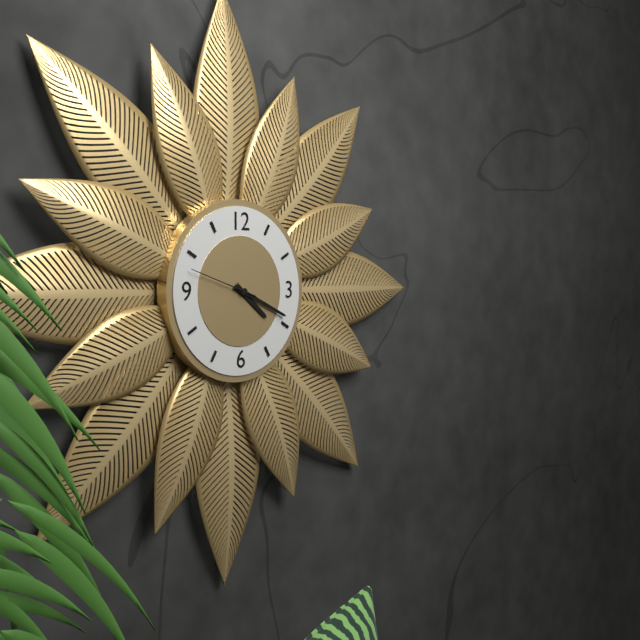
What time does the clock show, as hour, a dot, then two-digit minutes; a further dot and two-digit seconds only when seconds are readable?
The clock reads 4.19.48
